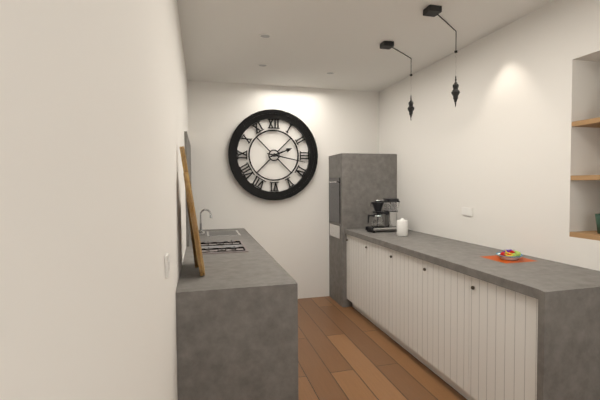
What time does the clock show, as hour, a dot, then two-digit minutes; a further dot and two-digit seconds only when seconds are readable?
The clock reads 2.17
